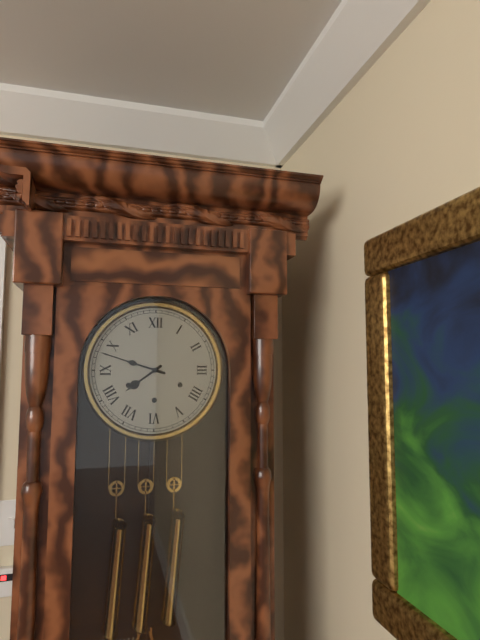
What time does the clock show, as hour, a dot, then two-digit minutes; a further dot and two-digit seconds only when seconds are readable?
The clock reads 7.48
